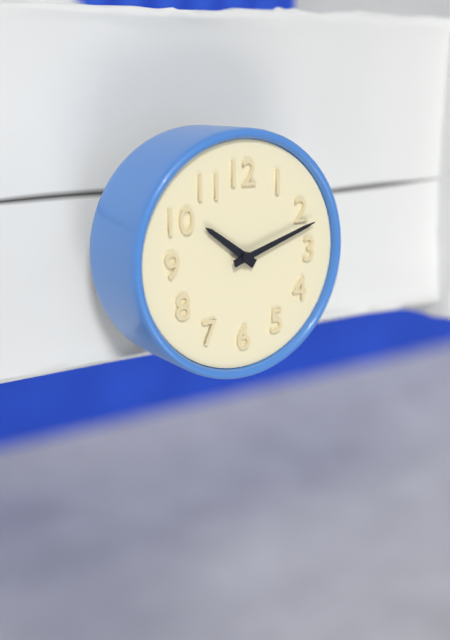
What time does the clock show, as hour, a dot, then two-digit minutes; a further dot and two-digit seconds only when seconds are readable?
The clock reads 10.12
